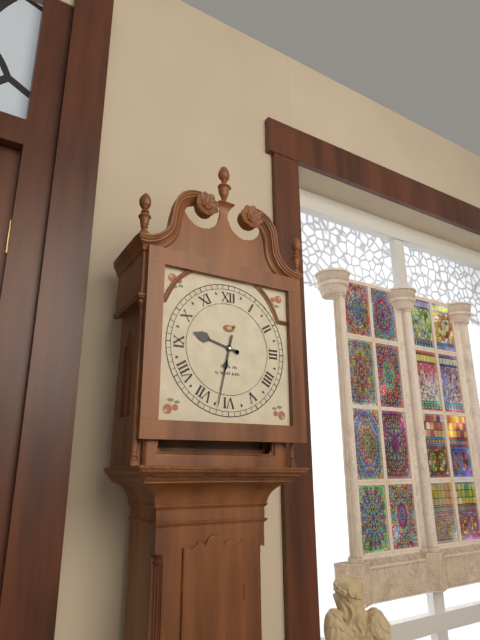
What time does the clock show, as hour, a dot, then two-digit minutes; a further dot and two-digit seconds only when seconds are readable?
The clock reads 9.32
